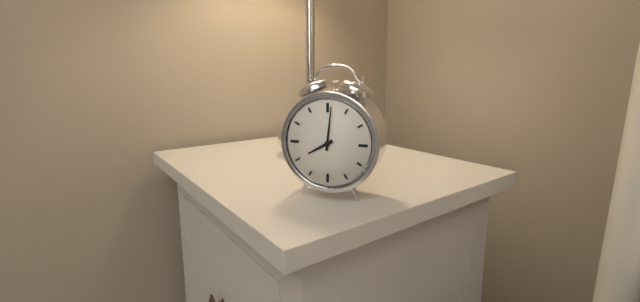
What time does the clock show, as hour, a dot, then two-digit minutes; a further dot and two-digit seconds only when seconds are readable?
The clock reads 8.01
